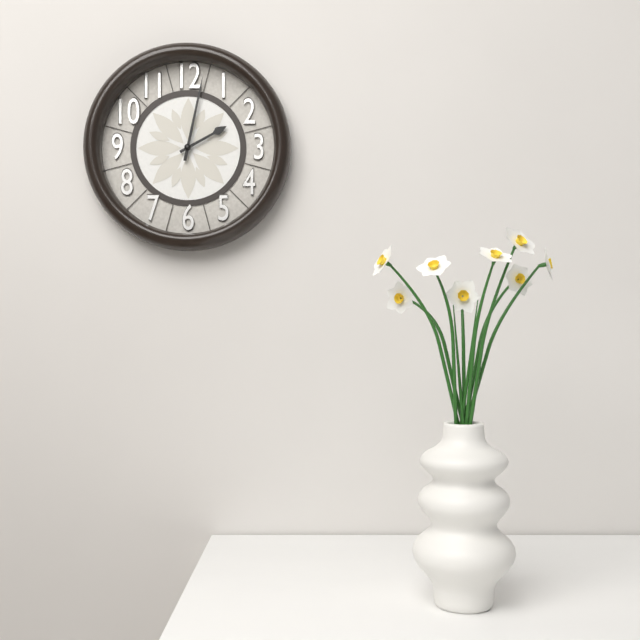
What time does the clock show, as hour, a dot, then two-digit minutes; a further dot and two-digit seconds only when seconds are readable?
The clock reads 2.02
